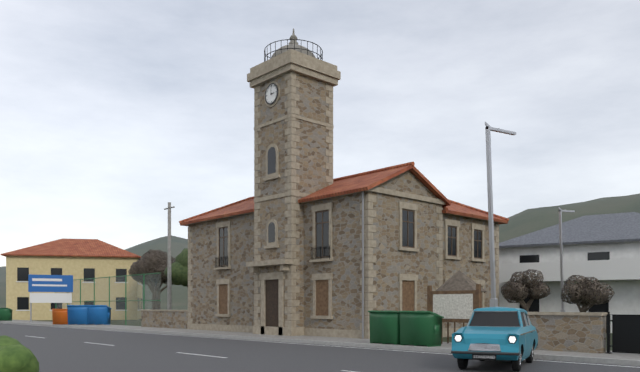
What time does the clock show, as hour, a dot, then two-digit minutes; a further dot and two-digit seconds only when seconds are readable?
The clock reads 3.00
